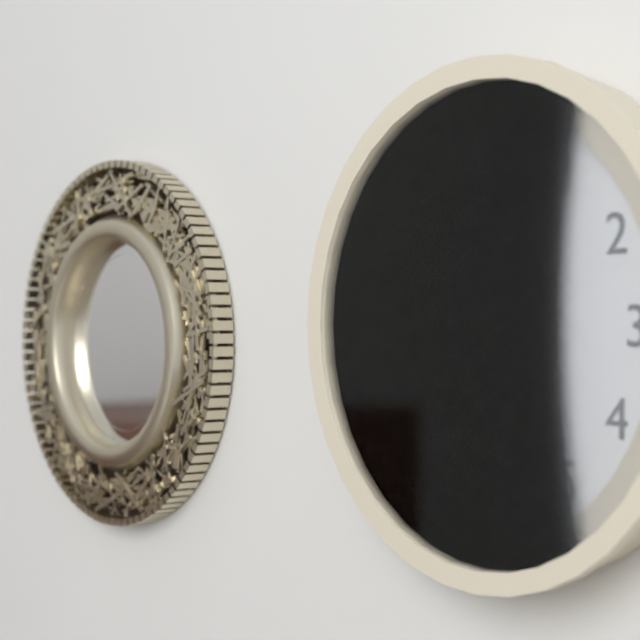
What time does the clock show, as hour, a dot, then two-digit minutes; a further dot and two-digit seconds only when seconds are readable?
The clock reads 11.59.34
